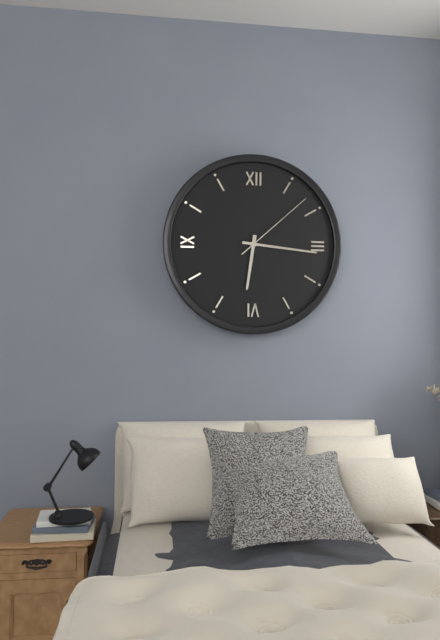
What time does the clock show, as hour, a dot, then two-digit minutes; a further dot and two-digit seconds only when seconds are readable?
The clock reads 6.16.08
